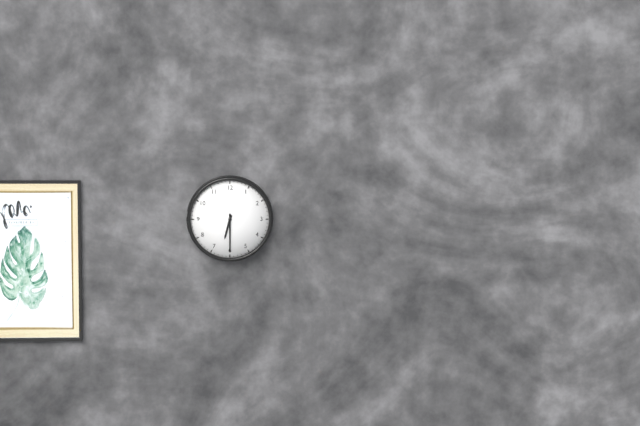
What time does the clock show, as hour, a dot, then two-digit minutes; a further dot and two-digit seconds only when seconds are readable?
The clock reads 6.30
